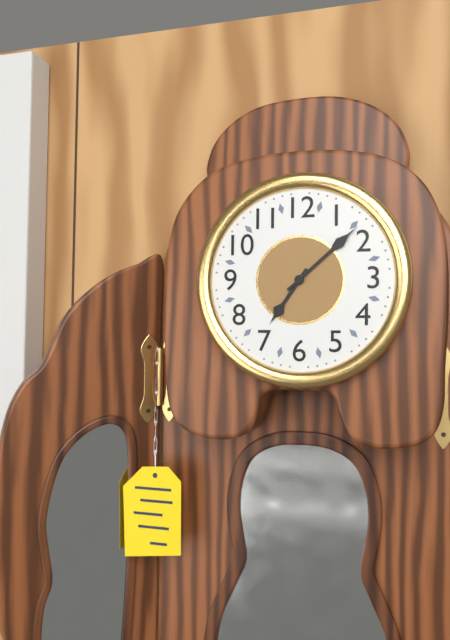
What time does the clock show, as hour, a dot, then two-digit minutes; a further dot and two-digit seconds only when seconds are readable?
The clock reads 7.08
